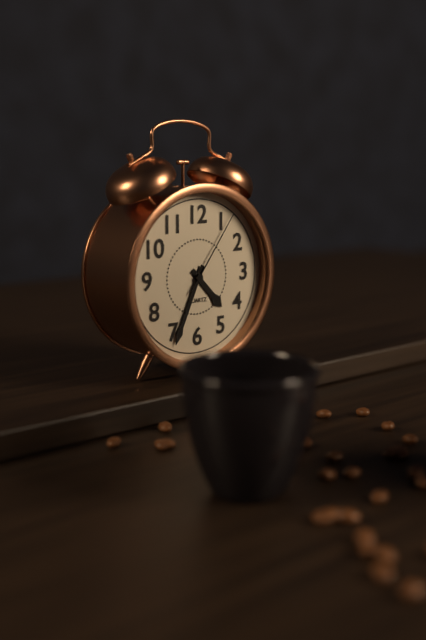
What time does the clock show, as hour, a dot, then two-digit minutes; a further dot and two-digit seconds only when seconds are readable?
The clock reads 4.34.06
